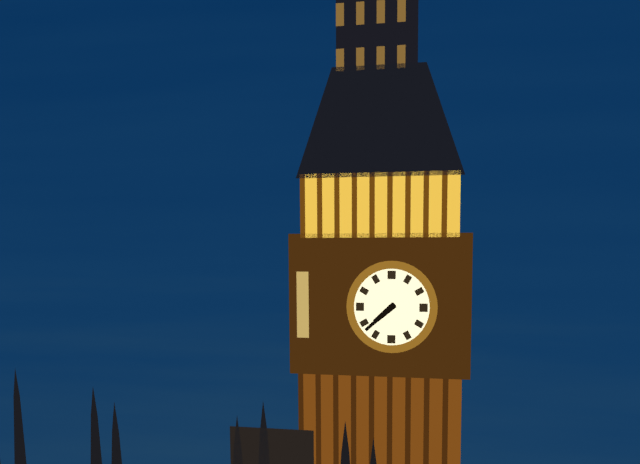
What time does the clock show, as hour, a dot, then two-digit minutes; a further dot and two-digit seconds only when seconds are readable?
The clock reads 7.38
